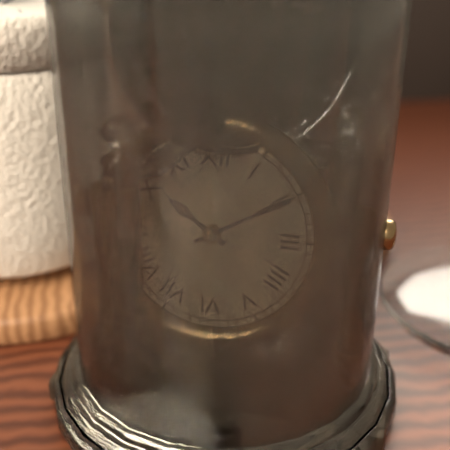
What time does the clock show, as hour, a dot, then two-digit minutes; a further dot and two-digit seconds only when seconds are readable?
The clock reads 10.10
